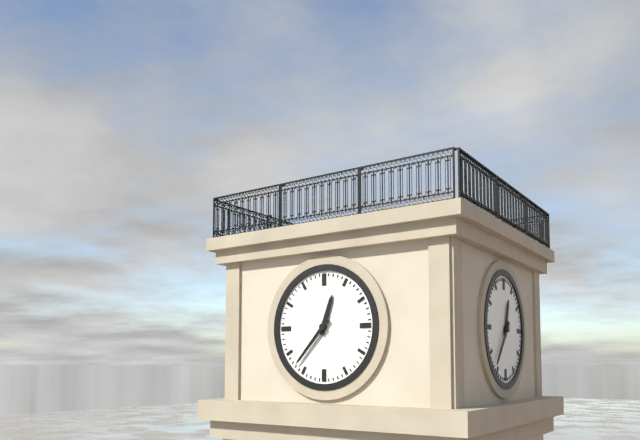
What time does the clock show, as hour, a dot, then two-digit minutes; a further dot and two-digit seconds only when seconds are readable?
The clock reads 12.37
